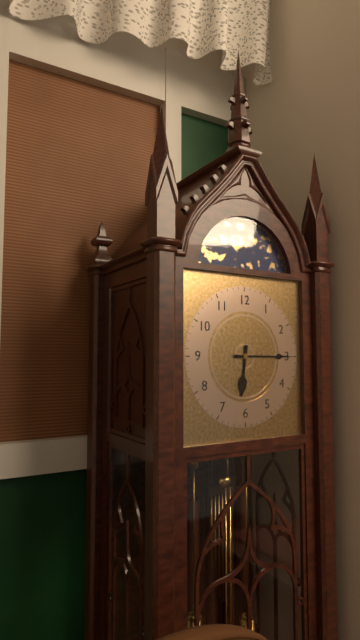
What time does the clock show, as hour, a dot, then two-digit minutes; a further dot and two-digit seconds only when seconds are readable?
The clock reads 6.15
